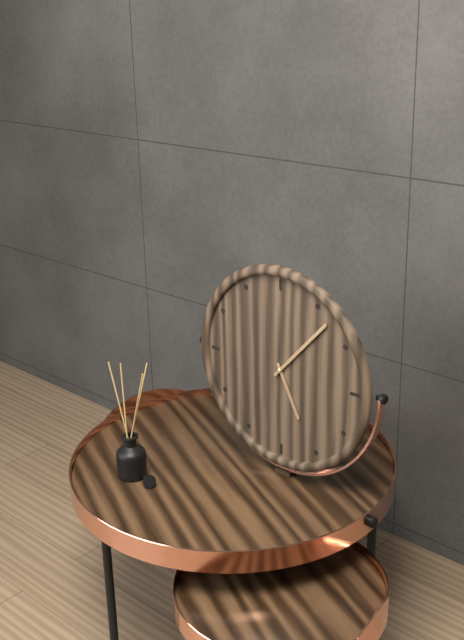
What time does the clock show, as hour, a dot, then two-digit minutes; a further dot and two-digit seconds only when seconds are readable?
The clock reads 5.07
